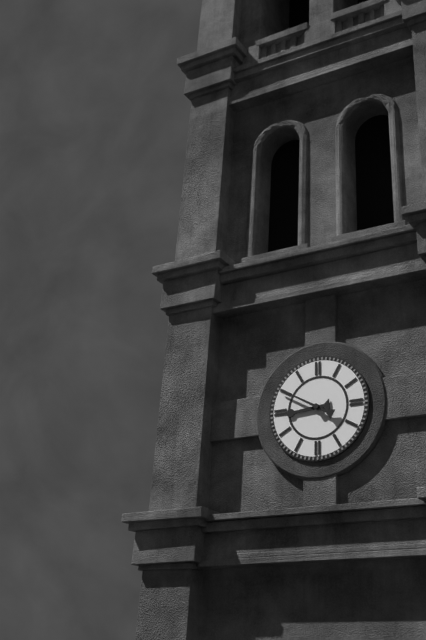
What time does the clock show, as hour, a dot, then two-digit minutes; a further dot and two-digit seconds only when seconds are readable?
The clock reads 8.50
